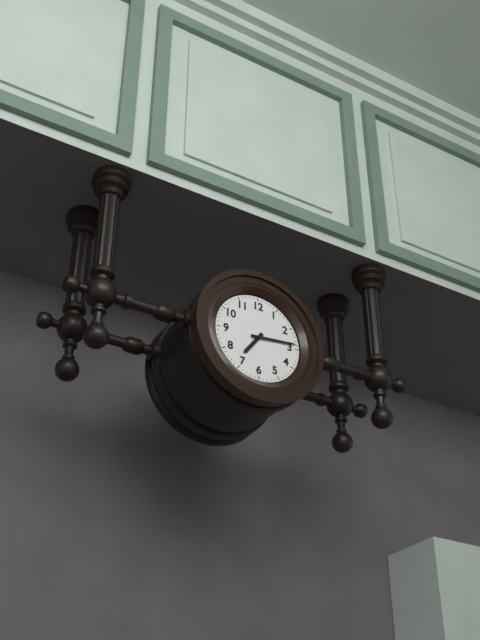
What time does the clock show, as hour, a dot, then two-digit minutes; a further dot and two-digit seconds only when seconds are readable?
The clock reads 7.14
